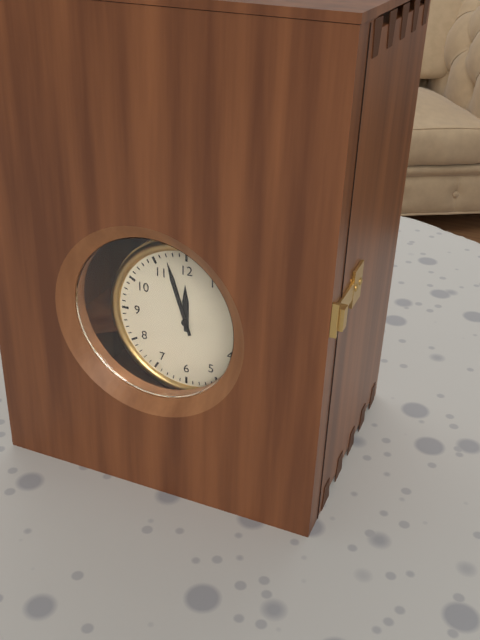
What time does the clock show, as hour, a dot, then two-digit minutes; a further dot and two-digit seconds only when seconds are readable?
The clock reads 11.57
